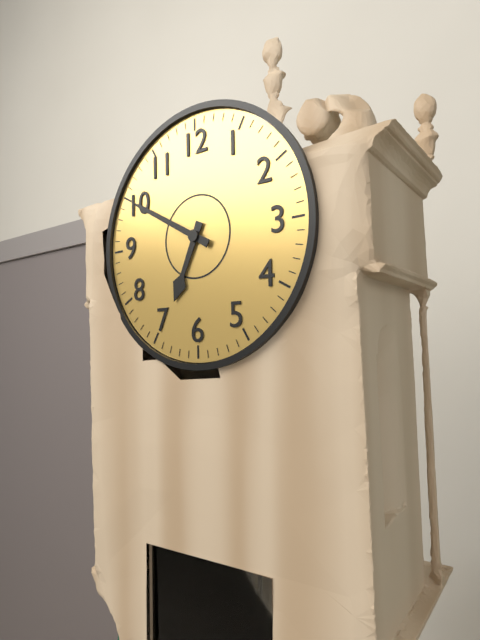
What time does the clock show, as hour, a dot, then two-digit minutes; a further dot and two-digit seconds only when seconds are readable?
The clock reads 6.50
